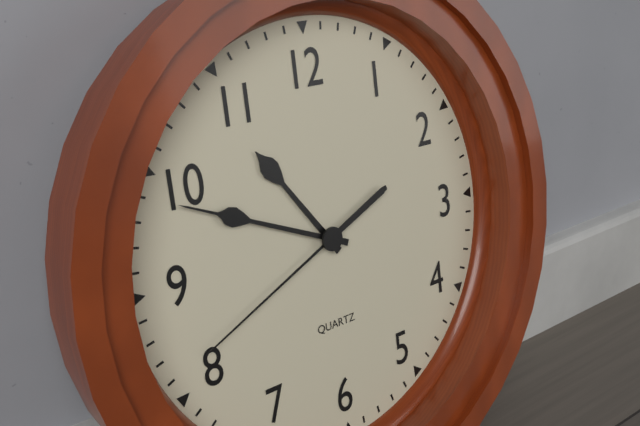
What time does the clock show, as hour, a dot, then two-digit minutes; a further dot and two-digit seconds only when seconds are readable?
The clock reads 10.49.41
